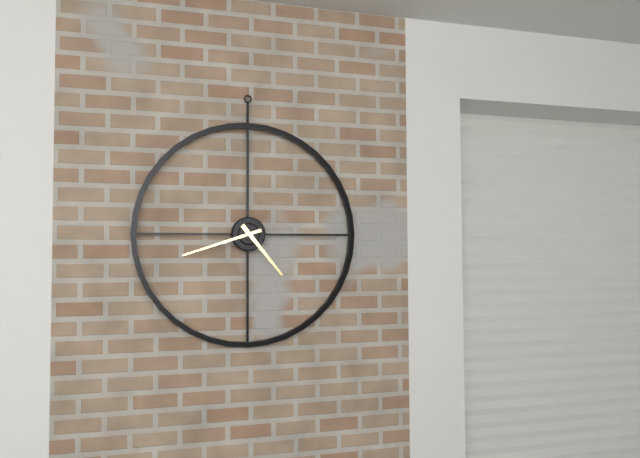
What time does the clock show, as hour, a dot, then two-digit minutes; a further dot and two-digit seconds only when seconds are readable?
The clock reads 4.42
